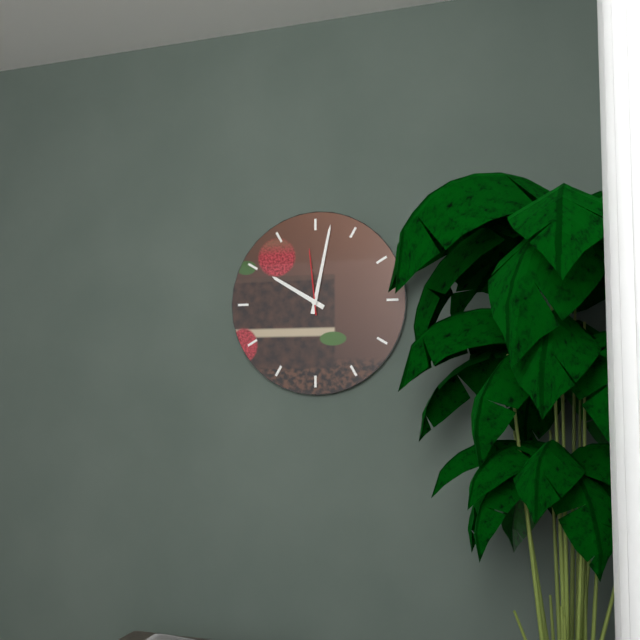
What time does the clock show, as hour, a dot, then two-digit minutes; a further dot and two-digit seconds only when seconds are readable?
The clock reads 10.02.59
